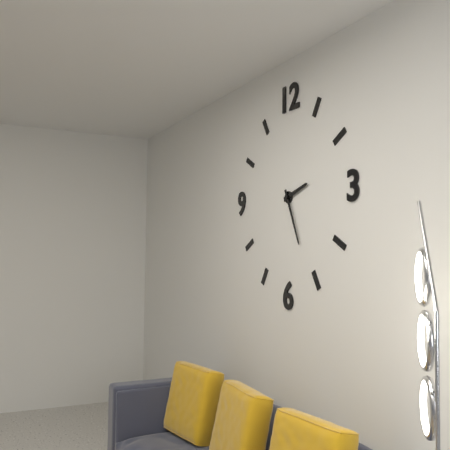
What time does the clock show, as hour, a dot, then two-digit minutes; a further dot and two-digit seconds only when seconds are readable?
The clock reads 2.26
